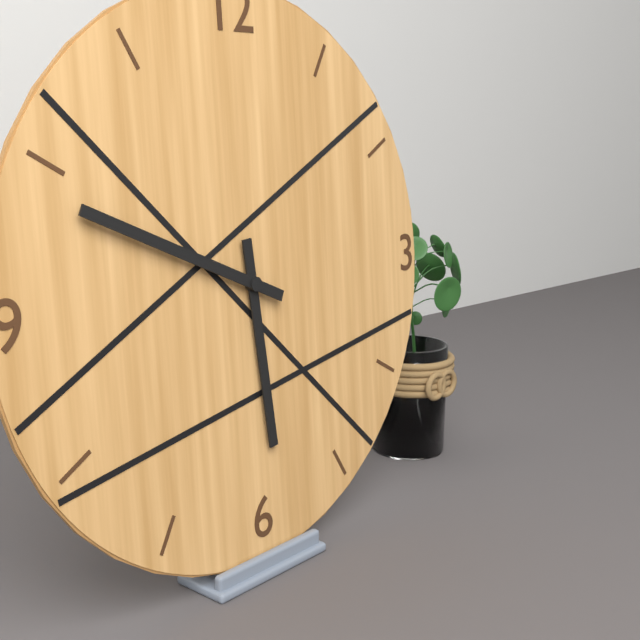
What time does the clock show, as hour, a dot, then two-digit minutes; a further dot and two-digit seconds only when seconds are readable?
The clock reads 5.49
